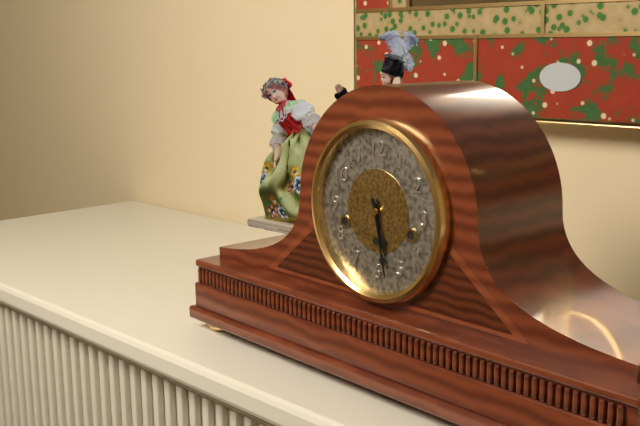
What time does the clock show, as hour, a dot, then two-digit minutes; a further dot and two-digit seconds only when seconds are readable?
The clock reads 5.28
